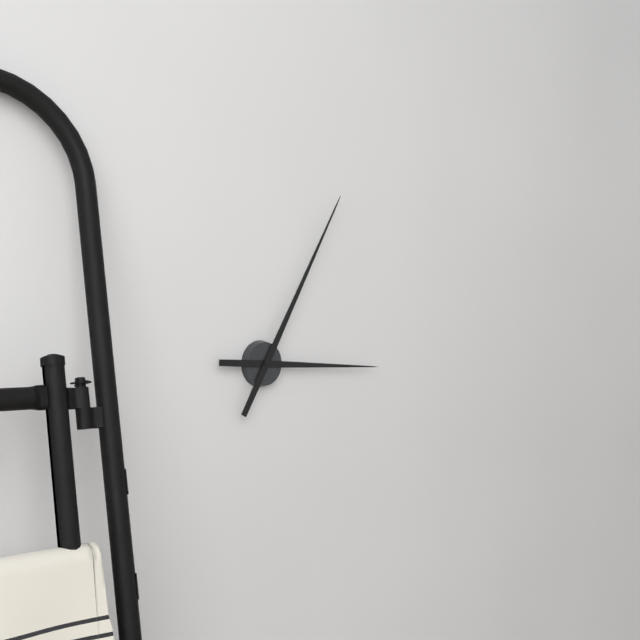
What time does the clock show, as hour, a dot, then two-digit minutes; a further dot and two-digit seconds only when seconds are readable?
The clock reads 3.05
